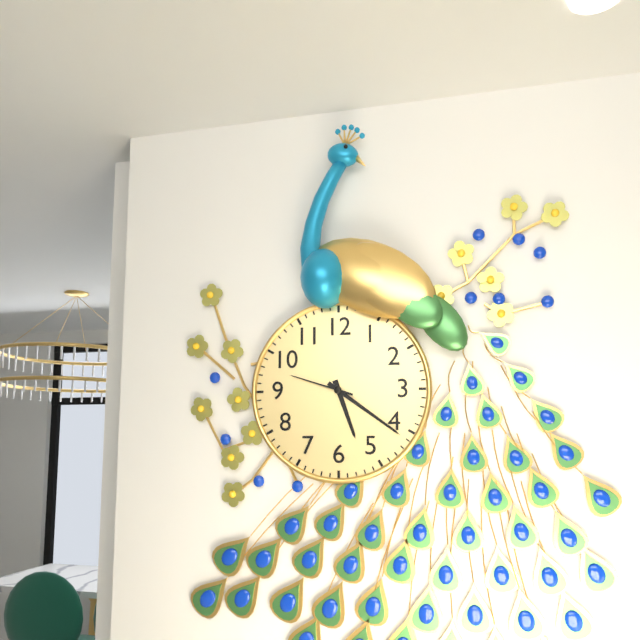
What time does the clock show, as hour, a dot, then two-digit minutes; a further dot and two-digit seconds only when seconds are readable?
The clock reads 5.21.48
